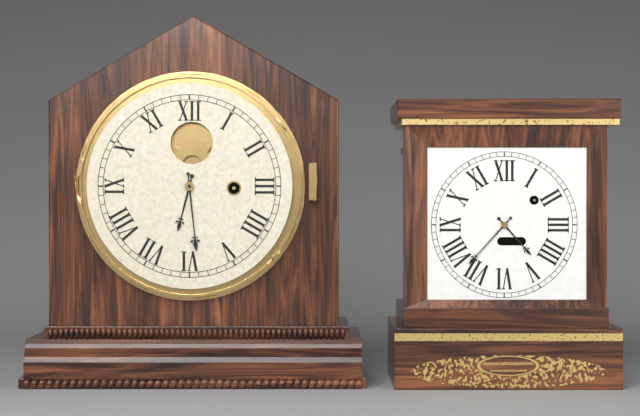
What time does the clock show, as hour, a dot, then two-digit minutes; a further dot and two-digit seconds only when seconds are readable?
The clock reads 6.29
